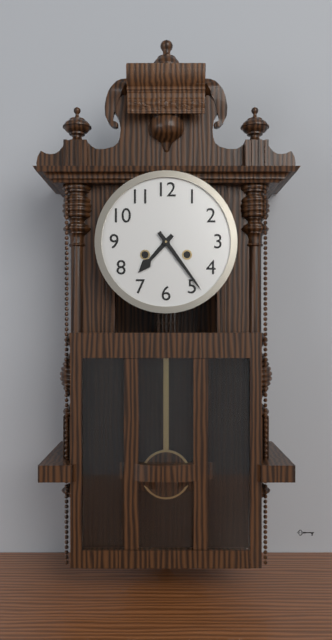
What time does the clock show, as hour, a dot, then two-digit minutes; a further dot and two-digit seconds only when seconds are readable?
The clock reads 7.24
